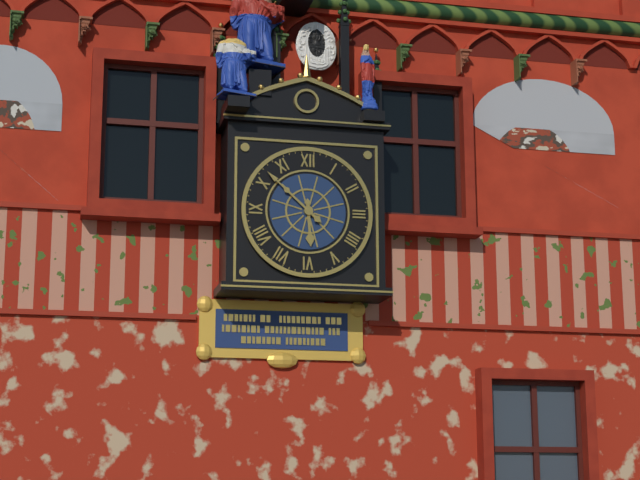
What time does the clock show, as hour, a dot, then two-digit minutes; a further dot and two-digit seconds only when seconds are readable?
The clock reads 5.52
